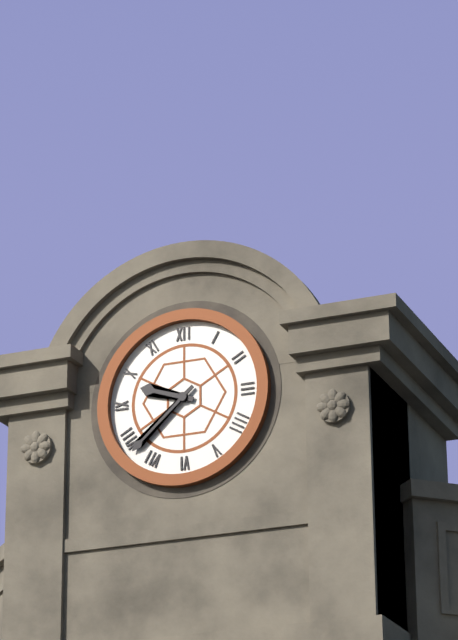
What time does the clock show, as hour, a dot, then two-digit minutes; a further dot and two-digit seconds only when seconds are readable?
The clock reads 9.38
